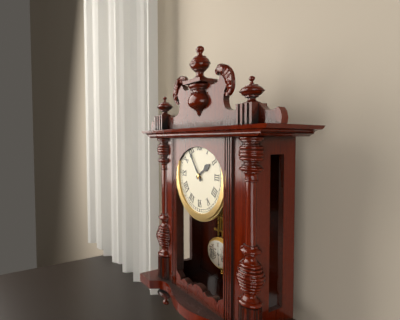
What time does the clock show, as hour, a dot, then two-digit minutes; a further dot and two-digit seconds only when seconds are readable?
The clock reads 1.54
